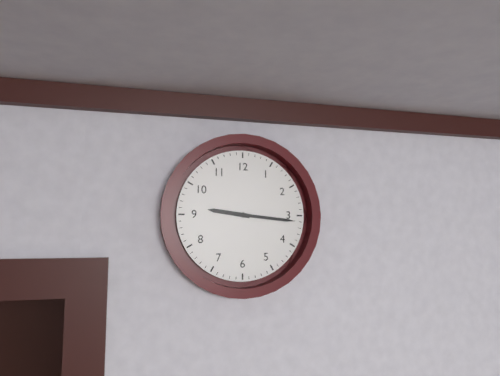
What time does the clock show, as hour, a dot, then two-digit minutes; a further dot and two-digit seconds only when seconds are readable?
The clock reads 9.16
